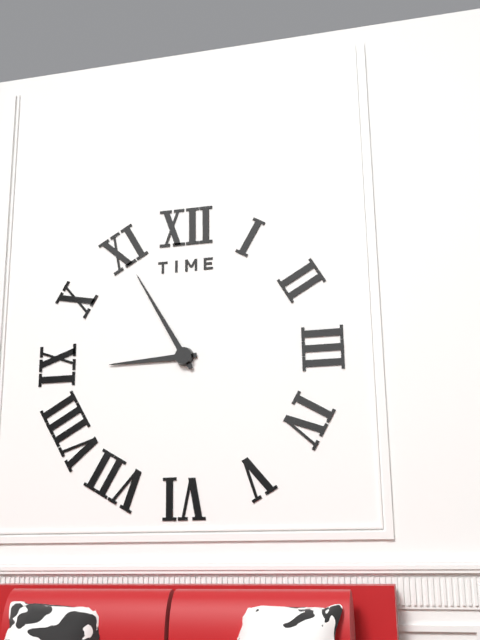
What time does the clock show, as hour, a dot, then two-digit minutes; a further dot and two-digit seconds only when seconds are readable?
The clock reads 8.55
